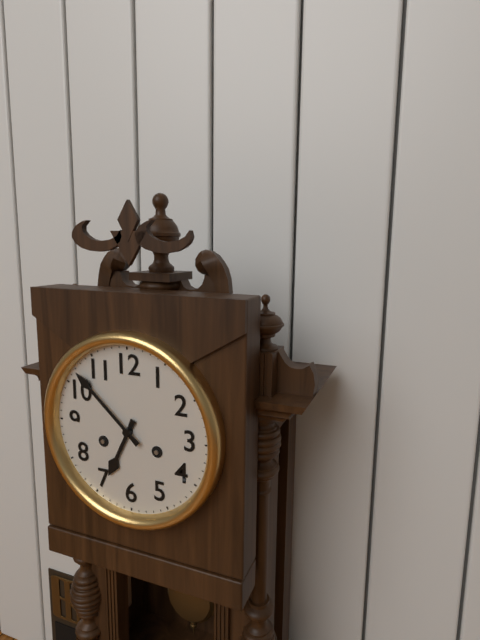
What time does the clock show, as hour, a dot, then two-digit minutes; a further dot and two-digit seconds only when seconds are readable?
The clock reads 6.52
